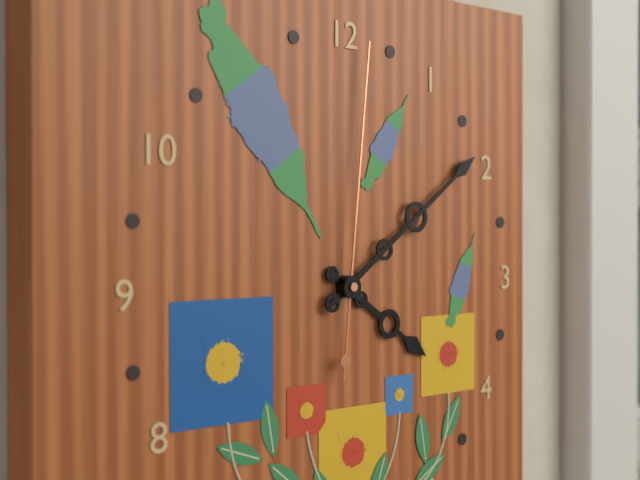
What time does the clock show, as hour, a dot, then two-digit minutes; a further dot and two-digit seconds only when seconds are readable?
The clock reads 4.09.01
